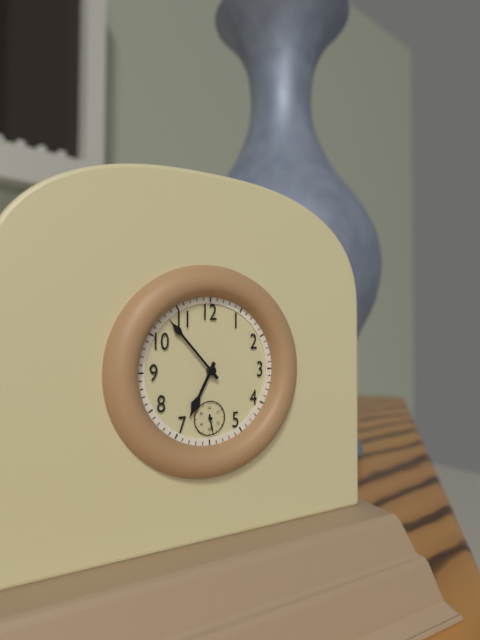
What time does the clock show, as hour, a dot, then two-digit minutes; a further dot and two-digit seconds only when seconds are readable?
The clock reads 6.53
